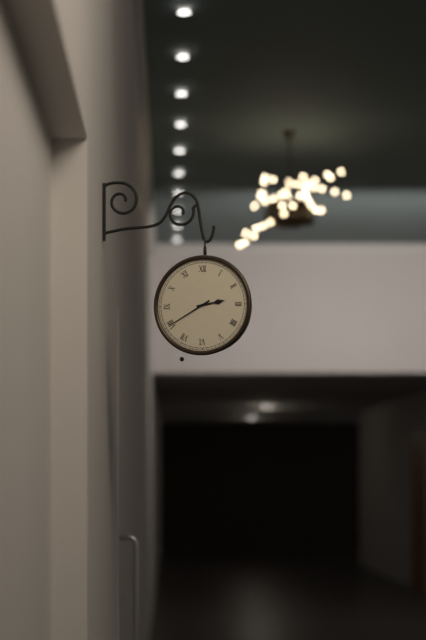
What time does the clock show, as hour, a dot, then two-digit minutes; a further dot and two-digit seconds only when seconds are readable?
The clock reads 2.40
